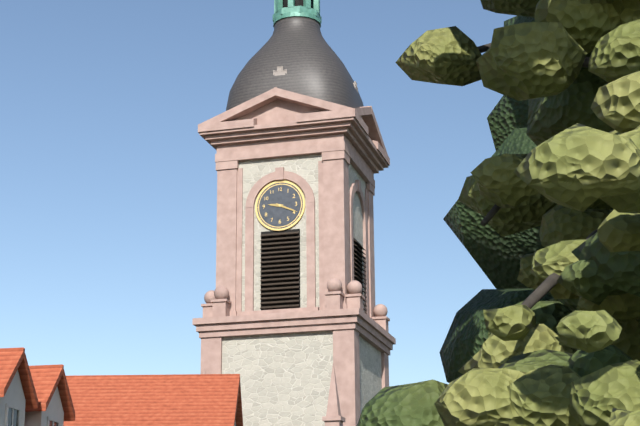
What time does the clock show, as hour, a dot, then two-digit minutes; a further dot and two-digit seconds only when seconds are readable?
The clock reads 9.19
